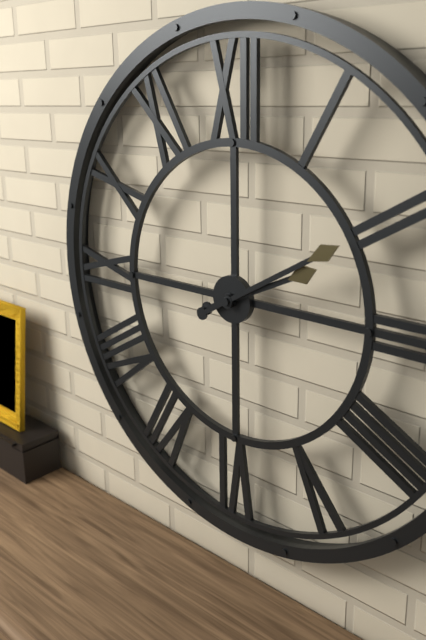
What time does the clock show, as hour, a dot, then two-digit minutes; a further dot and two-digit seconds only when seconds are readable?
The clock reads 2.10
